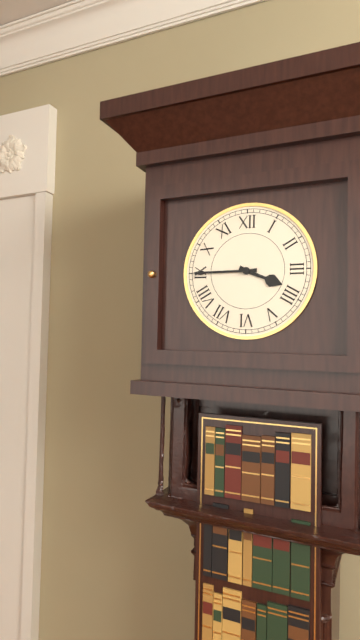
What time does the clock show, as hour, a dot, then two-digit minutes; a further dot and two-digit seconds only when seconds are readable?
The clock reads 3.45
